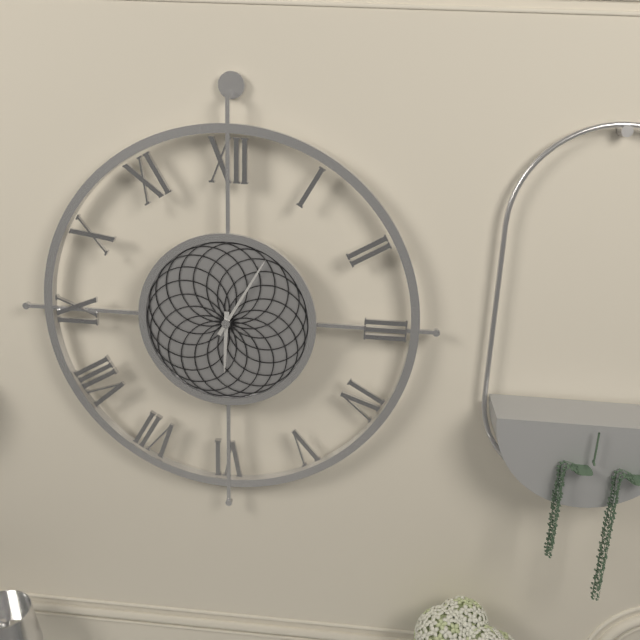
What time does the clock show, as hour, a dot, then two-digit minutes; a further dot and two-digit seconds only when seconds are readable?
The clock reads 6.05
